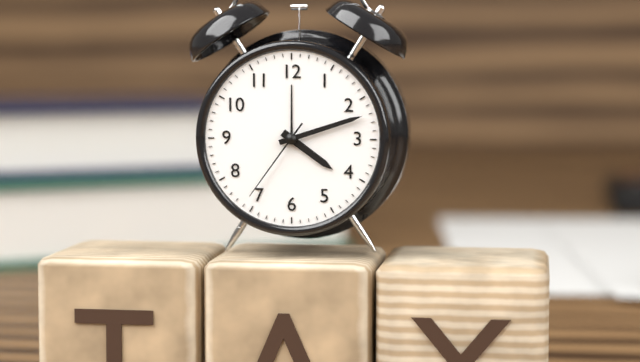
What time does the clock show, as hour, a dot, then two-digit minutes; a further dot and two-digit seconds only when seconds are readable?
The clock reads 4.12.36
